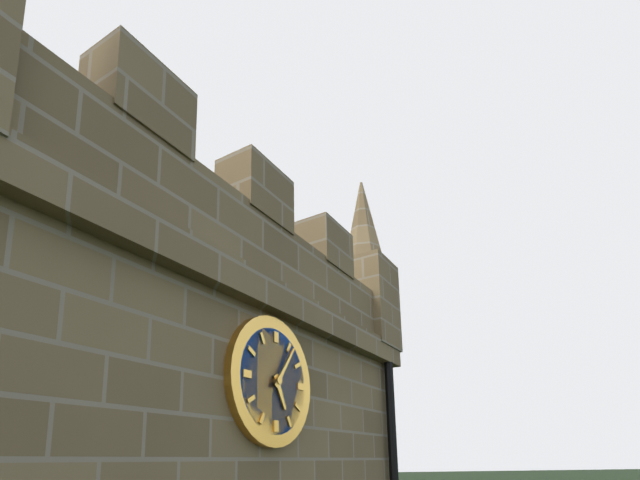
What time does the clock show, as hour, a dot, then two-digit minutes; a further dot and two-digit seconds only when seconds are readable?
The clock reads 5.06
